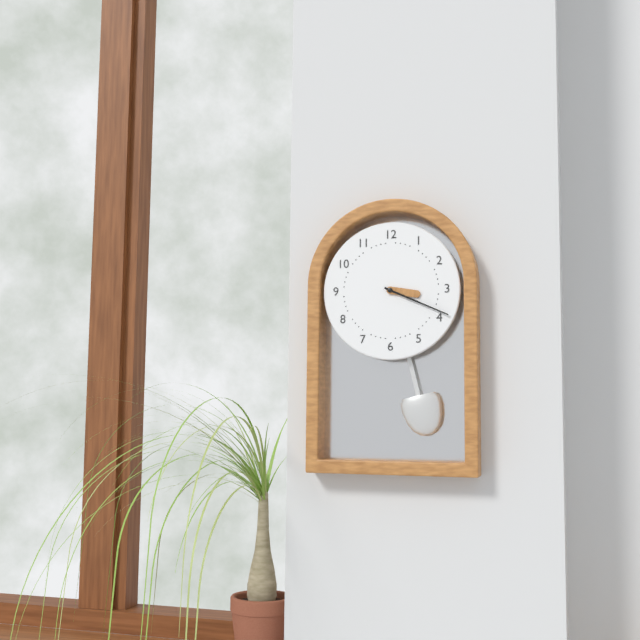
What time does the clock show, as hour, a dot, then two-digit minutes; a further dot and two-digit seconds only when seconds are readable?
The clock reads 3.19
